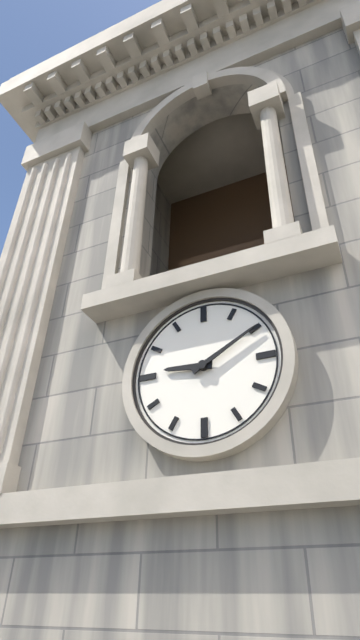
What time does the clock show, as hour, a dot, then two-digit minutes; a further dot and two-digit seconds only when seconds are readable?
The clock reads 9.10
